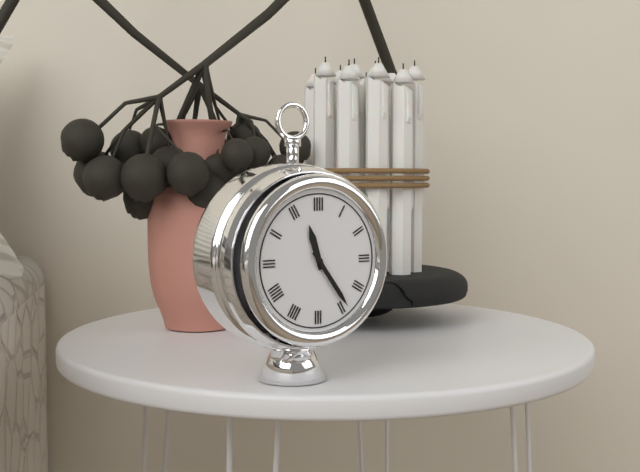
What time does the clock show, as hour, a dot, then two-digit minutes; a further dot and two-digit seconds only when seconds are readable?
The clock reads 11.24
